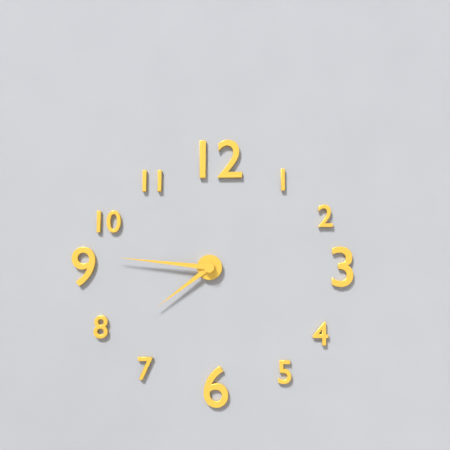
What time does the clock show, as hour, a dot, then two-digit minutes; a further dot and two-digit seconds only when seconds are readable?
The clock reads 7.46
